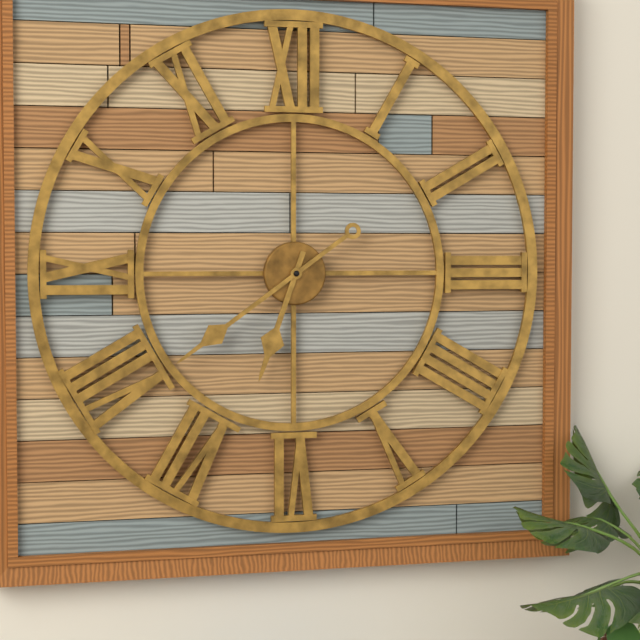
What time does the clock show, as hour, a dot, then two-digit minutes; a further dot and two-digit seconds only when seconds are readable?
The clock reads 6.39
